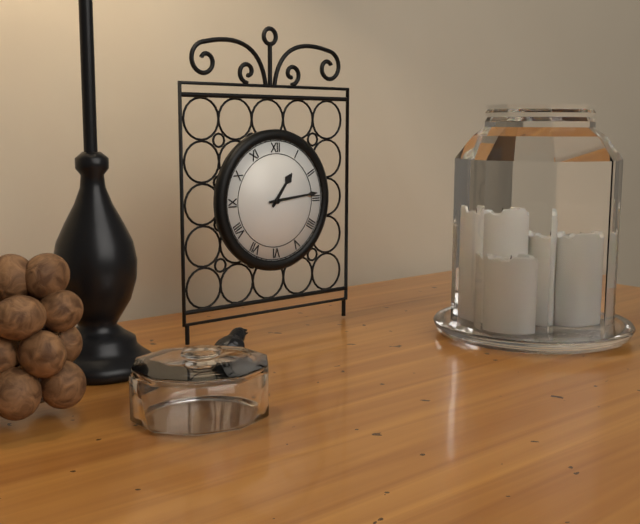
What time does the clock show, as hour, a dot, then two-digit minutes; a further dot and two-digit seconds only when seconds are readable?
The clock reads 1.14
